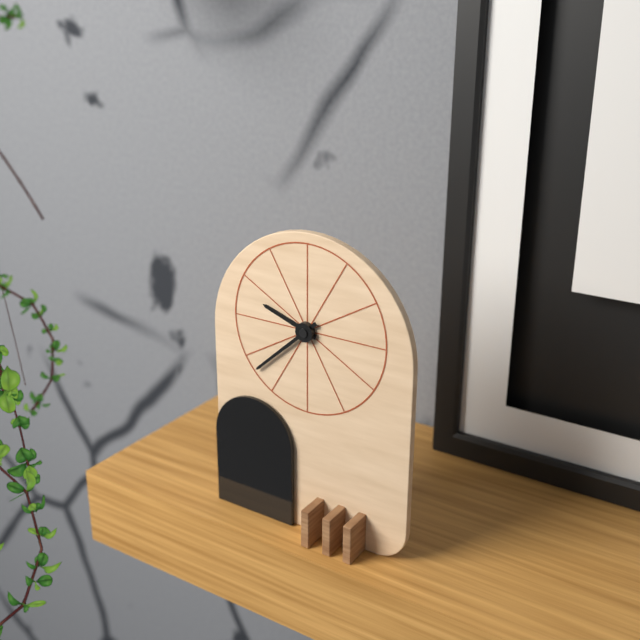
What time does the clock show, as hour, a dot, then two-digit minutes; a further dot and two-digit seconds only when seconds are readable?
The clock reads 9.38
